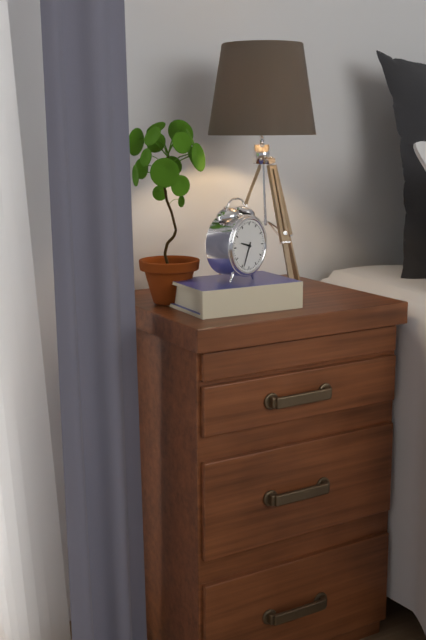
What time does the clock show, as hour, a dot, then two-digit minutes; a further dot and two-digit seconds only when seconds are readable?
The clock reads 9.34
